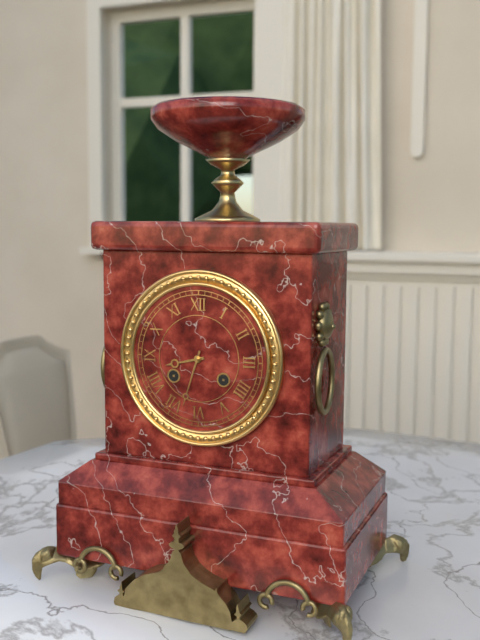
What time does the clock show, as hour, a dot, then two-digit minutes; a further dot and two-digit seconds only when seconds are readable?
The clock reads 8.33
